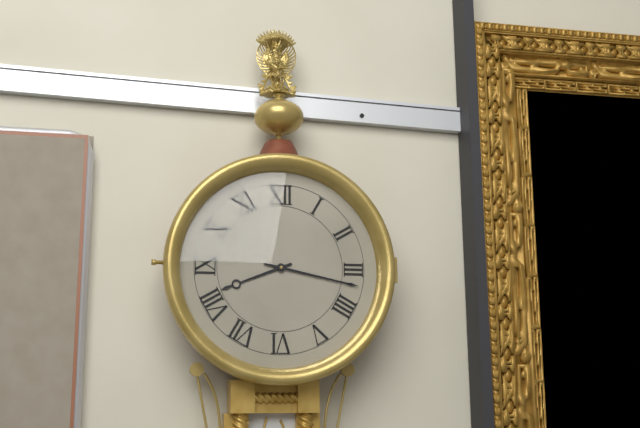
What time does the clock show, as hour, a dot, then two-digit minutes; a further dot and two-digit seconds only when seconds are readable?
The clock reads 8.17
